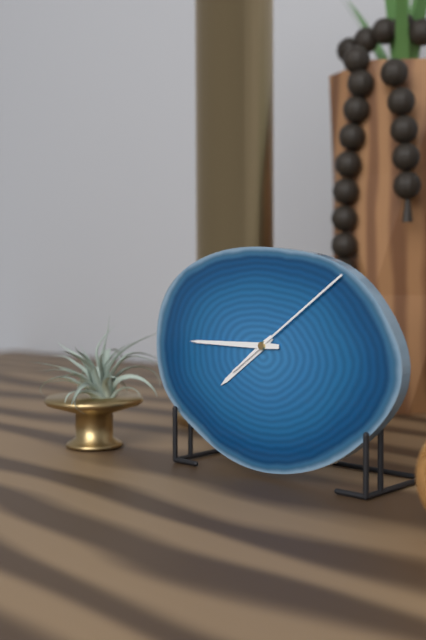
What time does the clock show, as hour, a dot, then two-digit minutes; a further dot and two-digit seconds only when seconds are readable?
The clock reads 7.45.09
